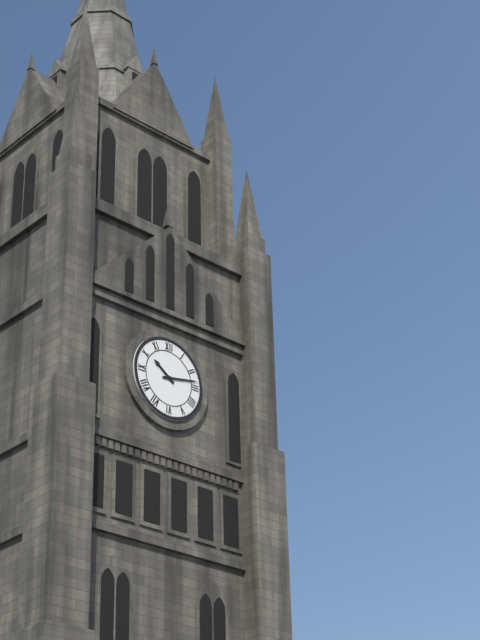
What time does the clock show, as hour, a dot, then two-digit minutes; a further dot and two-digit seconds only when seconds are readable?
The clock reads 10.13
